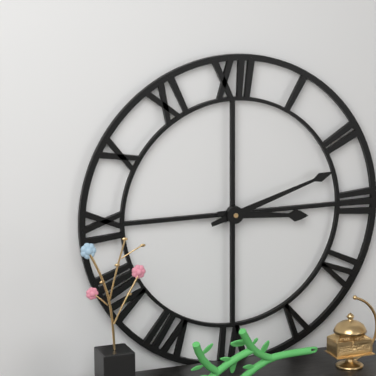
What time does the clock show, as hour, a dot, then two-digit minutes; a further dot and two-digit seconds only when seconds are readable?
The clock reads 3.12
